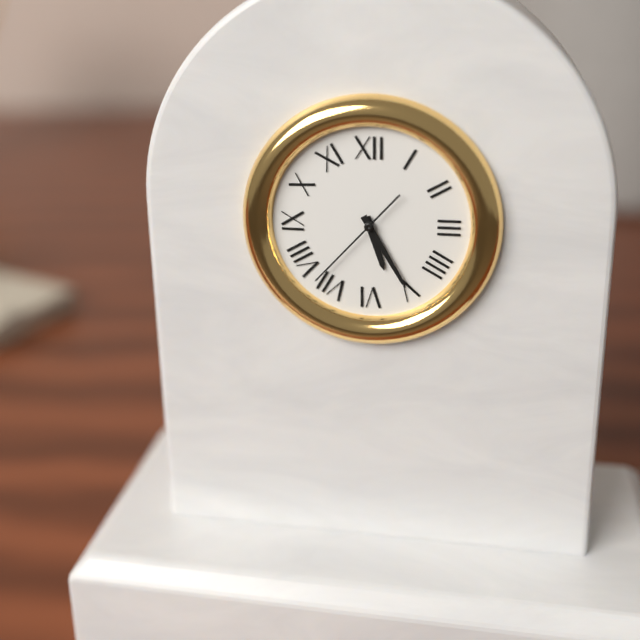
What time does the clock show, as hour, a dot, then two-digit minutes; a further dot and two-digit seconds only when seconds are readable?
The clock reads 5.25.37
